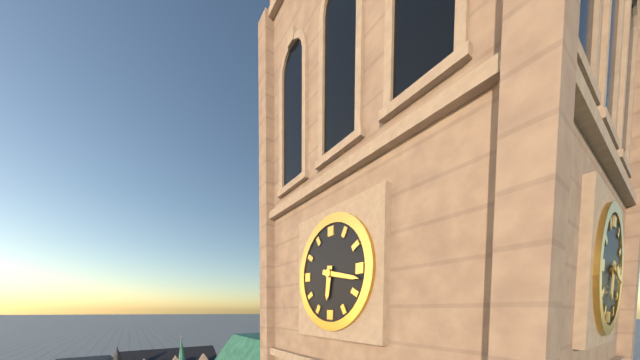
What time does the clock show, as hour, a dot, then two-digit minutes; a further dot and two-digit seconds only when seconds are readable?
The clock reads 6.17
